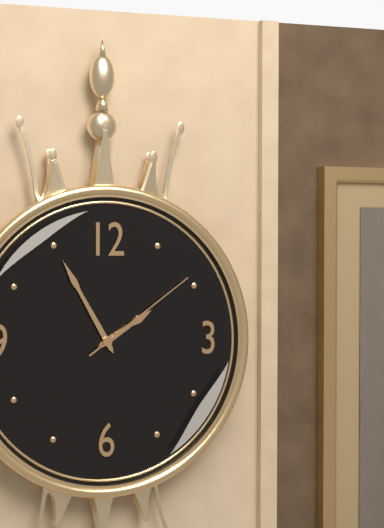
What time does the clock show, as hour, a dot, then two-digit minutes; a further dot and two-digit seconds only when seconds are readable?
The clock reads 1.55.09
